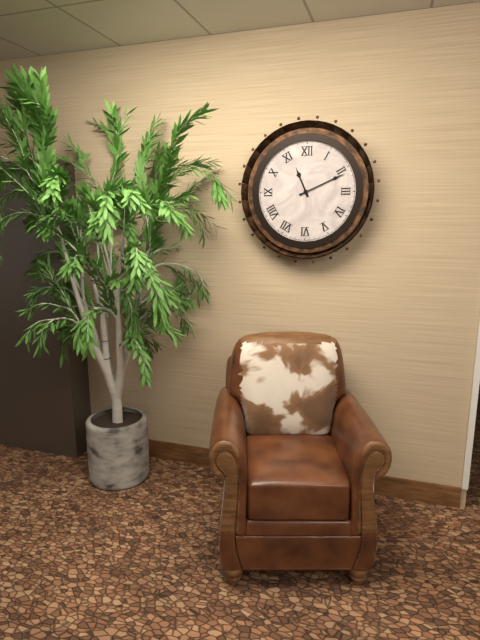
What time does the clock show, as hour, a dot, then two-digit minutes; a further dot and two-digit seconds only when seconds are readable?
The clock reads 11.11
